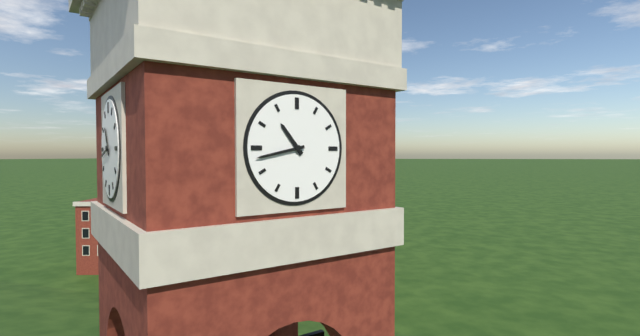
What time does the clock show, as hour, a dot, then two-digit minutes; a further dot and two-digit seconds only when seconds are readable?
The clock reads 10.43
